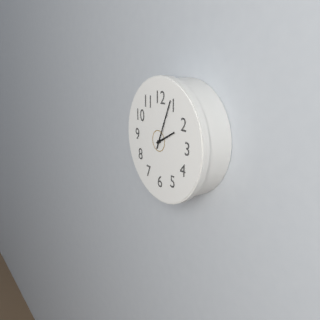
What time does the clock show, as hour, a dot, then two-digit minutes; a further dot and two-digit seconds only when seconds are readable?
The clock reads 2.04
